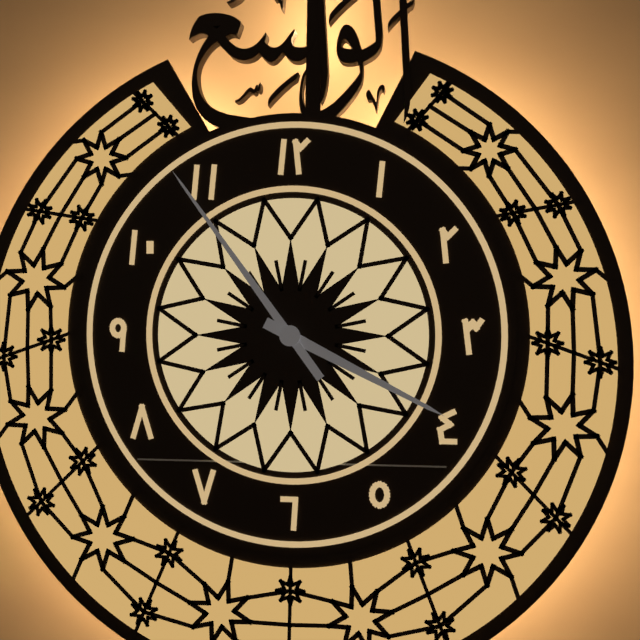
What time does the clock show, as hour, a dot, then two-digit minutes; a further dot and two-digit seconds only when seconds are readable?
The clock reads 3.54
